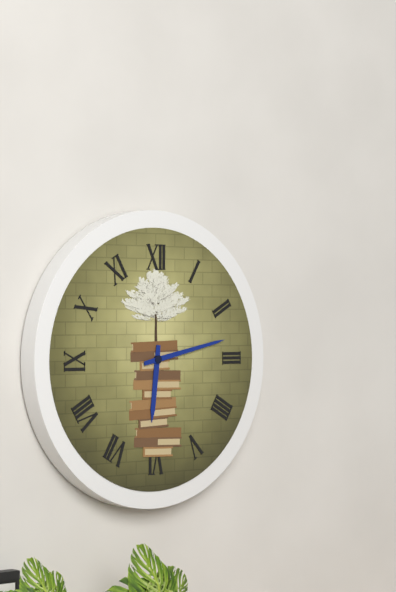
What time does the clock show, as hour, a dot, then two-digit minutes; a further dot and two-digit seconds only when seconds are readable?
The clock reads 6.13
